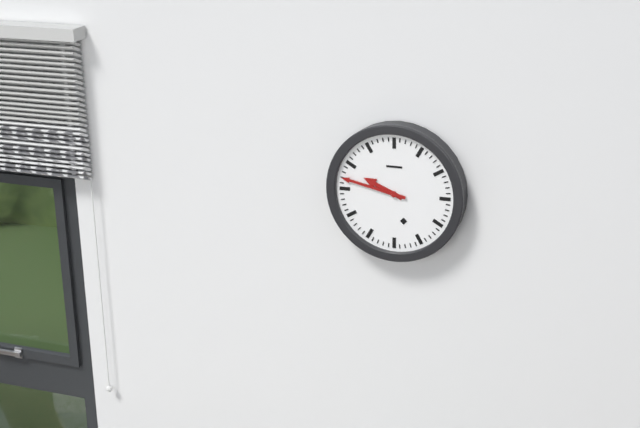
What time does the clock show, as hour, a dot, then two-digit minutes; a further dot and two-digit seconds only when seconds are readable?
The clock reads 9.47
